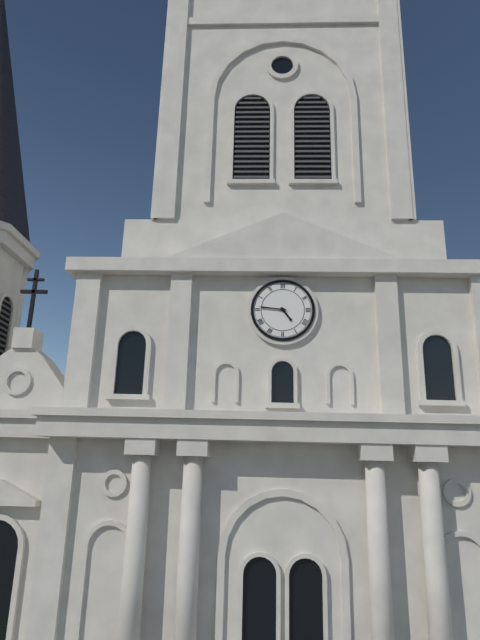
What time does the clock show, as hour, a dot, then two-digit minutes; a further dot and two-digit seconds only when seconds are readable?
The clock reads 4.46
